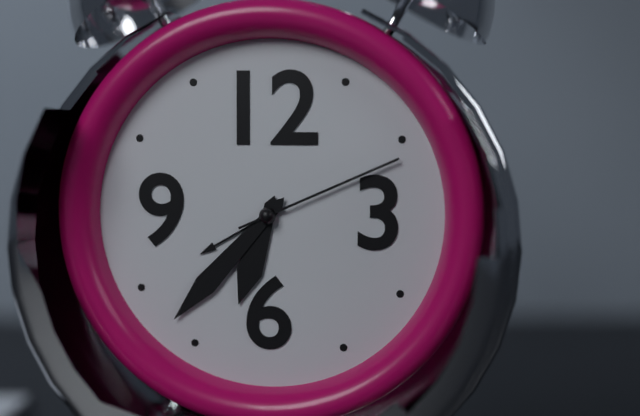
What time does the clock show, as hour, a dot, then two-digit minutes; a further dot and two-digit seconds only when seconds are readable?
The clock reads 6.37.11
